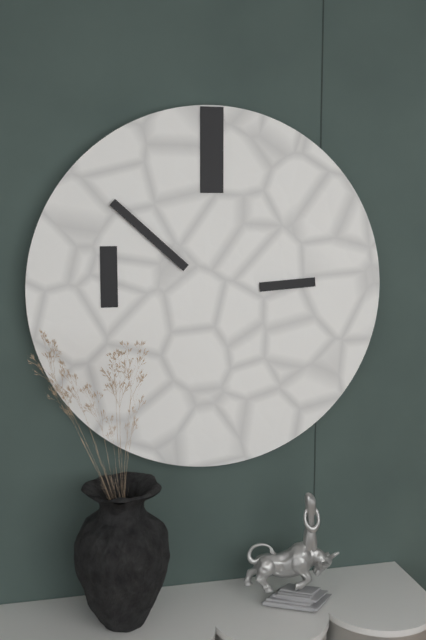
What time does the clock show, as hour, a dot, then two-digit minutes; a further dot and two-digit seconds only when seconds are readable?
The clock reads 2.52
